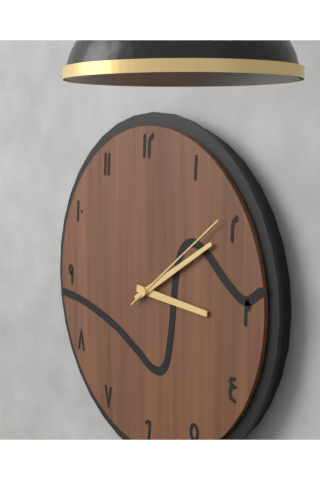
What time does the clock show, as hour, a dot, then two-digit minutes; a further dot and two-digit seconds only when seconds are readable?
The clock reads 3.10.09
